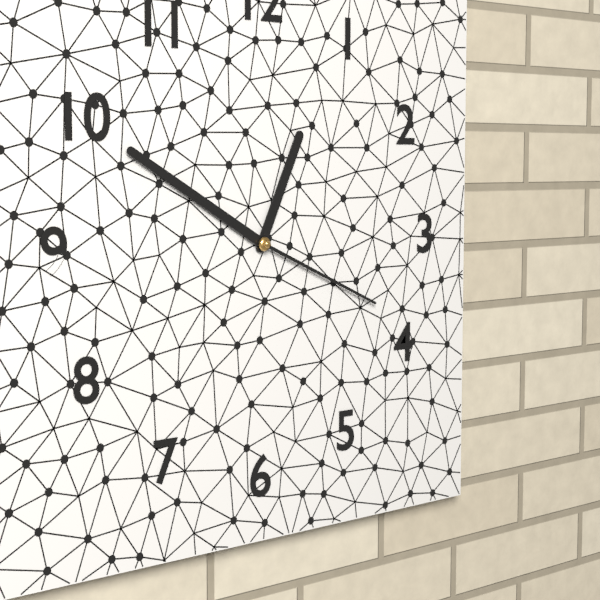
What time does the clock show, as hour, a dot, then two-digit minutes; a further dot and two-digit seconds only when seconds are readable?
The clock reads 12.50.19
